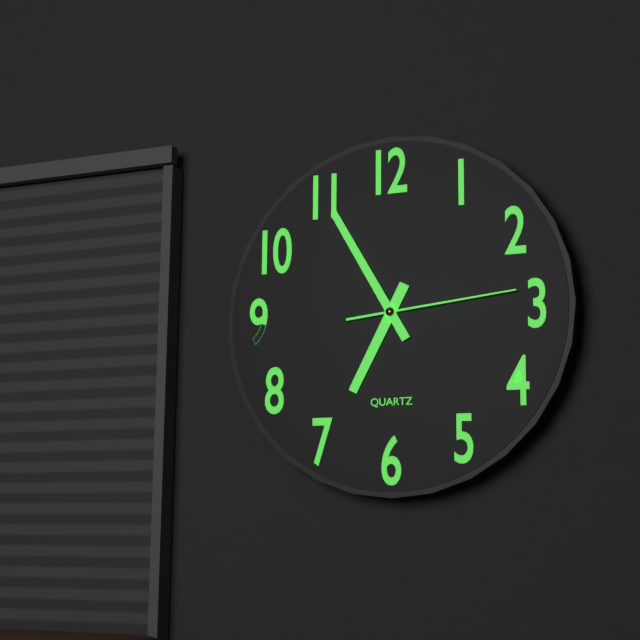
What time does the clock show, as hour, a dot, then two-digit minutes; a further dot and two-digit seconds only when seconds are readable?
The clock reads 6.55.14
